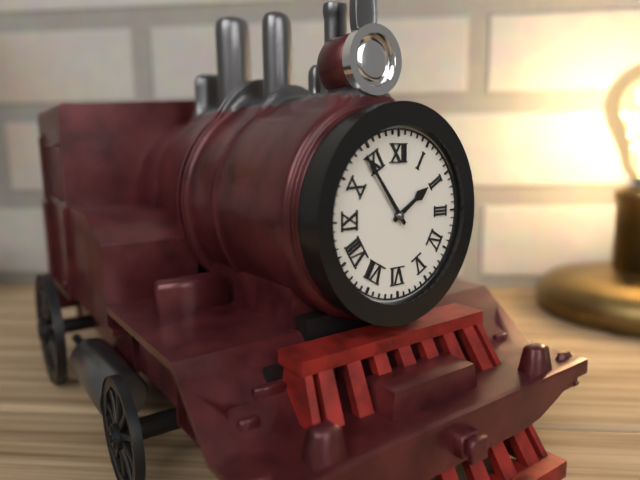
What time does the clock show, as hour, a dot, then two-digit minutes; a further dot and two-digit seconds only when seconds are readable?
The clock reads 1.54
